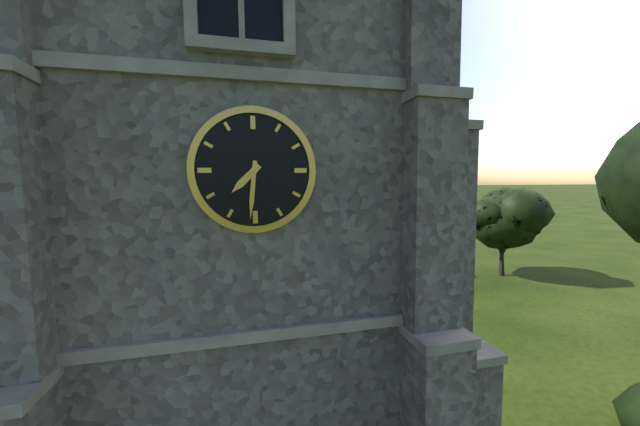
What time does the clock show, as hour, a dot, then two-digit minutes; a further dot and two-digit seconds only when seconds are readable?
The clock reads 7.31
